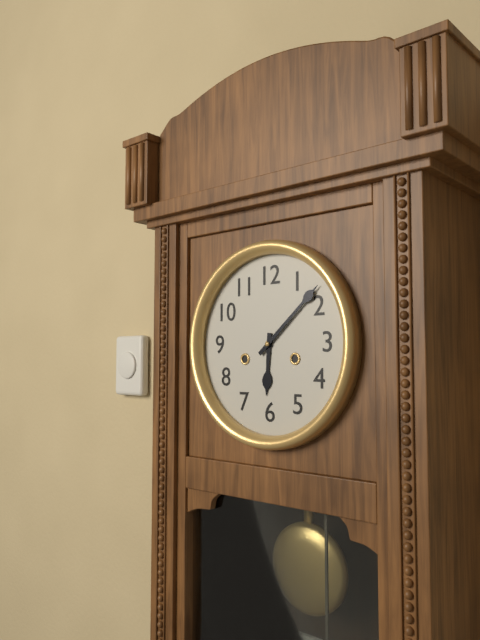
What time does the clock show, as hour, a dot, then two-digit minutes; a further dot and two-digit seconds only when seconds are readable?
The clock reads 6.08
